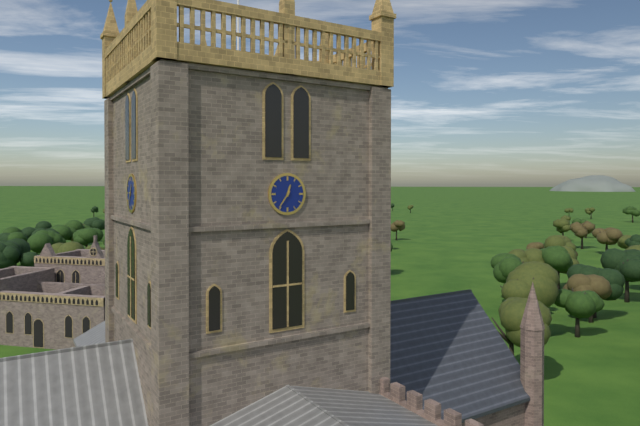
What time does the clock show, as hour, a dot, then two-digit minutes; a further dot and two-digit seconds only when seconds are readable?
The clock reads 12.36
